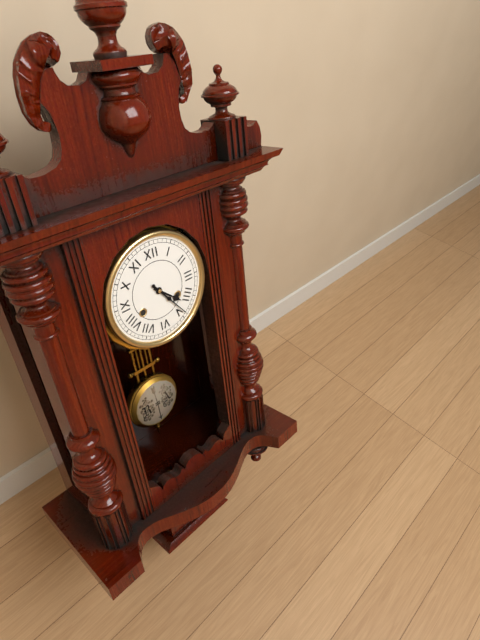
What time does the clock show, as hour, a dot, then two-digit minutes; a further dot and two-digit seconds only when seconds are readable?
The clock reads 4.24
